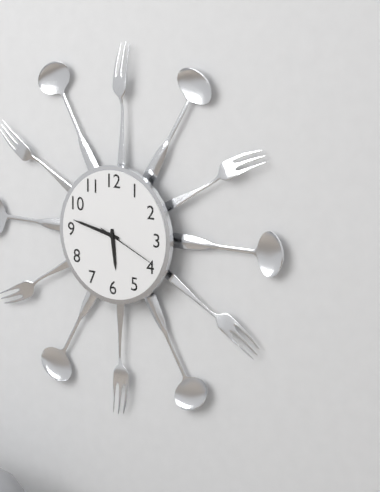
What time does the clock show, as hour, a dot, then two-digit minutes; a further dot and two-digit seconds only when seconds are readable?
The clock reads 5.47.19
